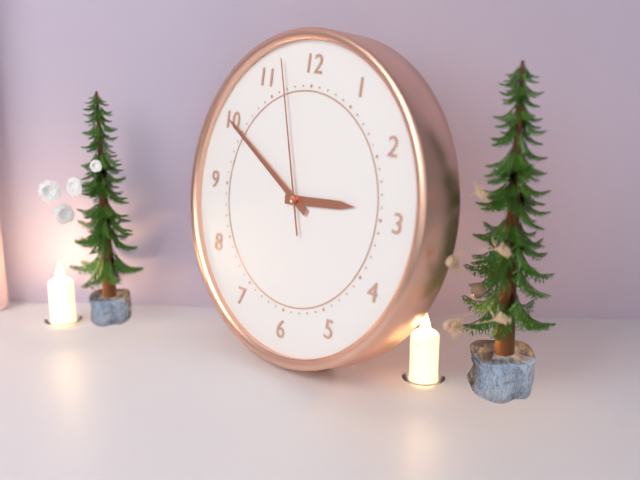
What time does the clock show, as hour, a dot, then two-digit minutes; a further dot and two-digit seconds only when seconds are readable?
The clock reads 2.50.57
